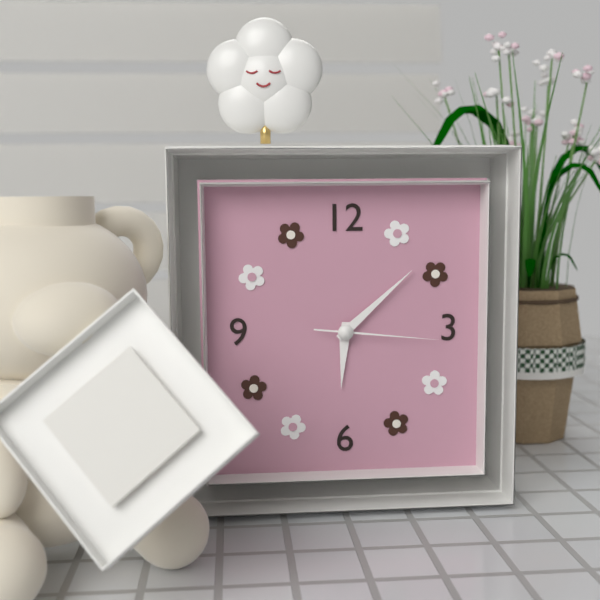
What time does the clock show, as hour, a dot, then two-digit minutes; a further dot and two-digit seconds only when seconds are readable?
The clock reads 6.08.16
